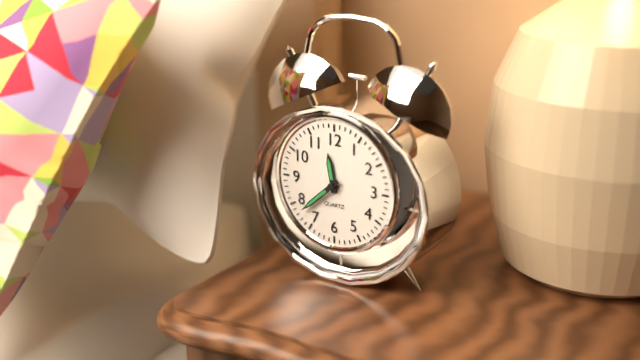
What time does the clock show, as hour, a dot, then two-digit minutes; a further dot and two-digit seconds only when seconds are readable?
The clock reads 11.38
